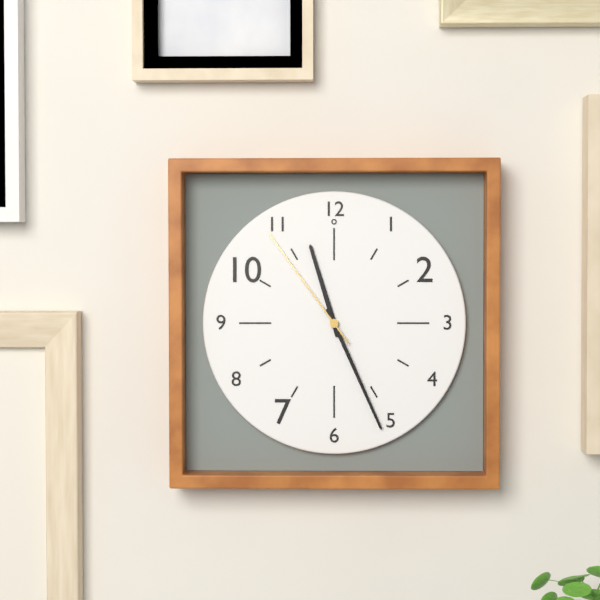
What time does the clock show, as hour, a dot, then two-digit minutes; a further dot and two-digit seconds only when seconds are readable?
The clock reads 11.26.54
